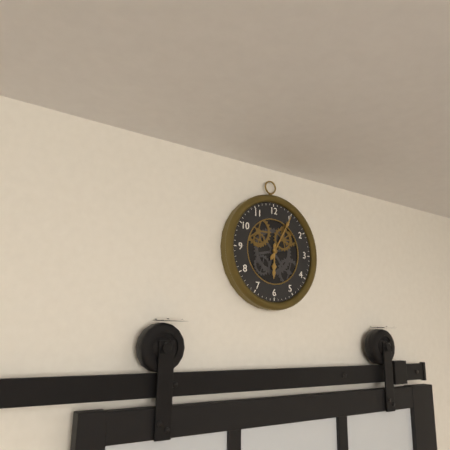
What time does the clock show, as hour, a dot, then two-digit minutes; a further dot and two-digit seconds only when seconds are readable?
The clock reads 6.05
